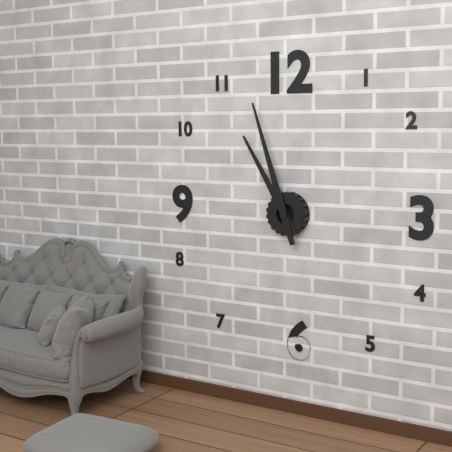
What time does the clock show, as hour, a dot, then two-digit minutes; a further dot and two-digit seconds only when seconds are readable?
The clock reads 10.57
